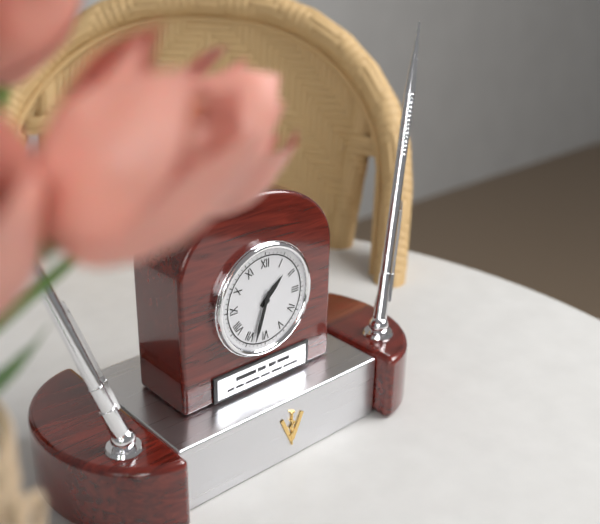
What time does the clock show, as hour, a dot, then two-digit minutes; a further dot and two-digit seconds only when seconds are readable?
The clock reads 1.33
